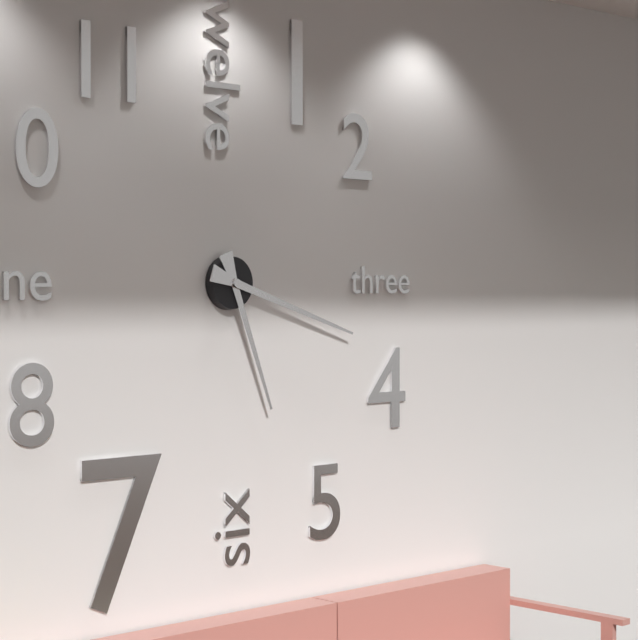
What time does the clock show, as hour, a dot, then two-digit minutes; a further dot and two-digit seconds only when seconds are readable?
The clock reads 5.18
